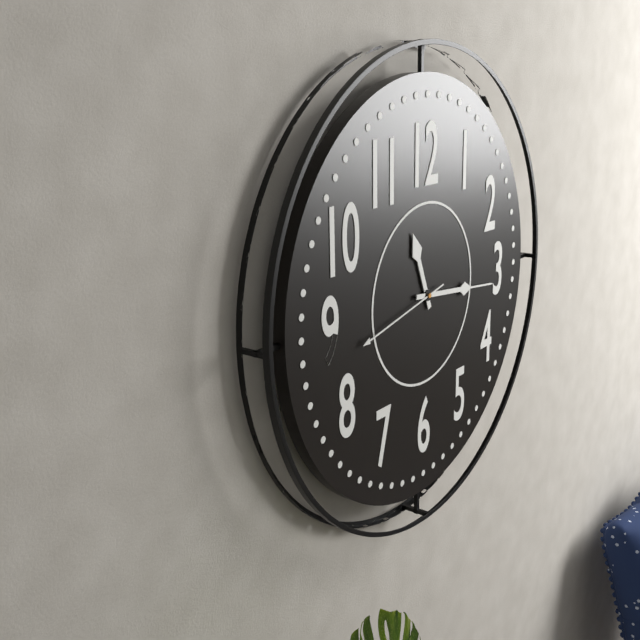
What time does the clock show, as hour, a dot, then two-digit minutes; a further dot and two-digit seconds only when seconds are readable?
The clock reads 11.16.43
